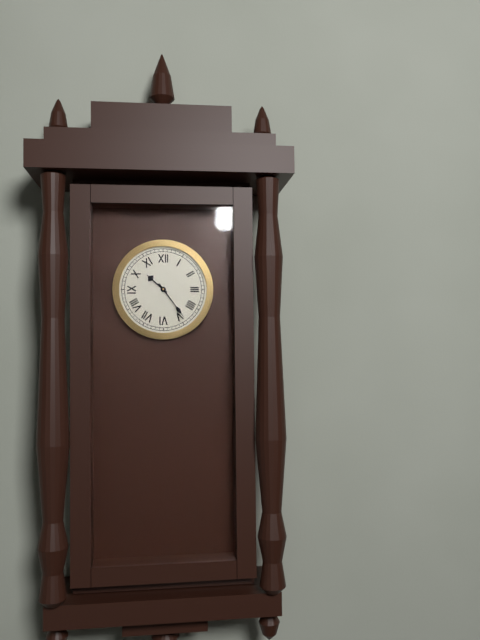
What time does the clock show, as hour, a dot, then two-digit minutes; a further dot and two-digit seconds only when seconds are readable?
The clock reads 10.24
